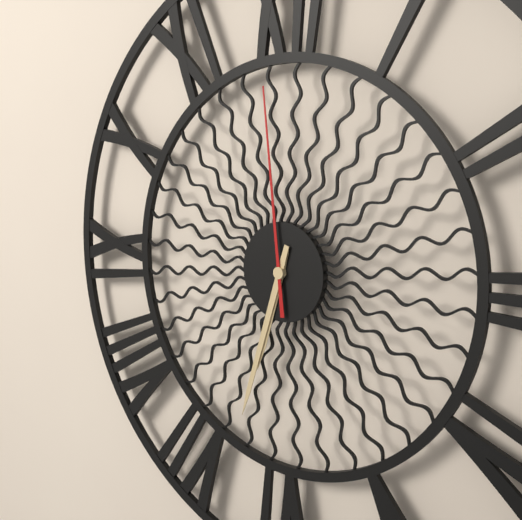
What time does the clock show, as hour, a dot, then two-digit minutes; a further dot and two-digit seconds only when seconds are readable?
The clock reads 6.33.59
